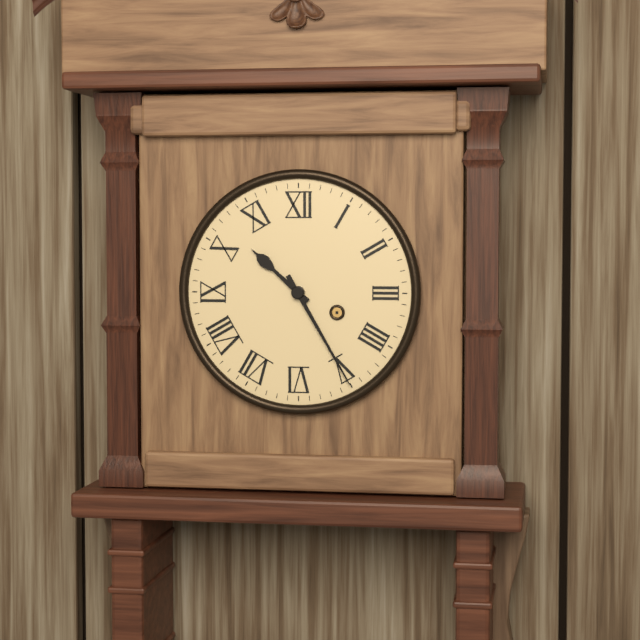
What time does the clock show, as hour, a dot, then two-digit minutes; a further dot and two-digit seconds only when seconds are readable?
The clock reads 10.25
